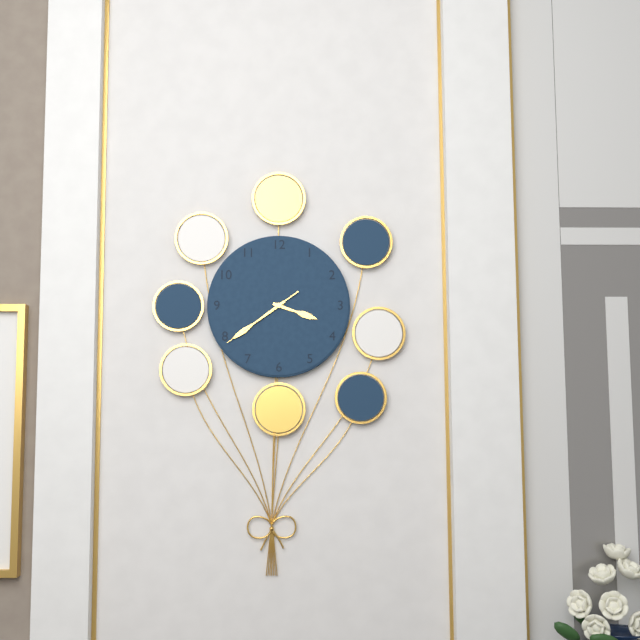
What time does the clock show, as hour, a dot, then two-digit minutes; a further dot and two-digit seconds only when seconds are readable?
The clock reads 3.39.39
